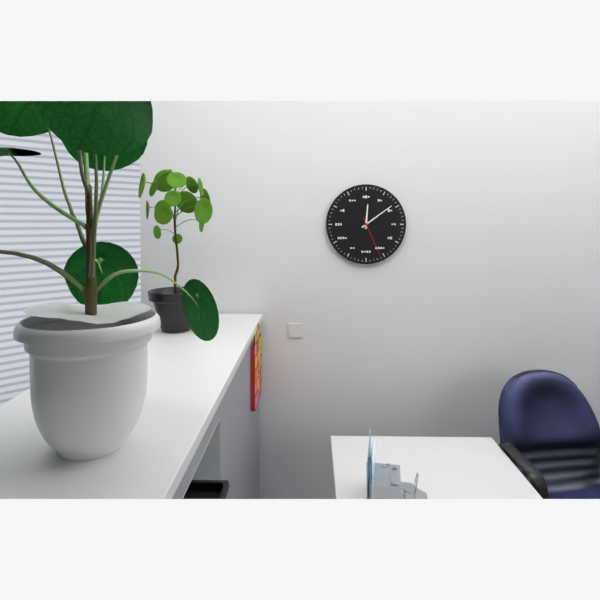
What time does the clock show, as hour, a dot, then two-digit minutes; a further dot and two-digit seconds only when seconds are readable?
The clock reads 12.09
